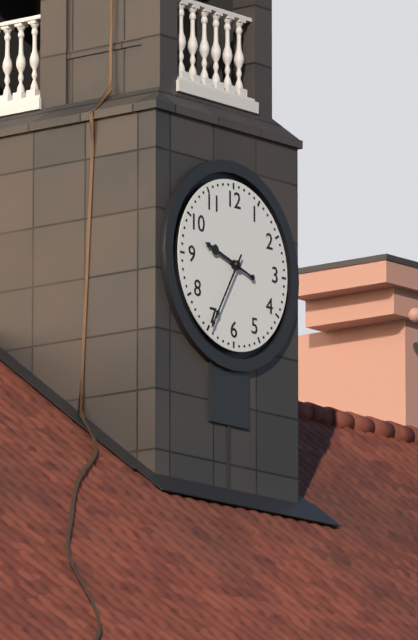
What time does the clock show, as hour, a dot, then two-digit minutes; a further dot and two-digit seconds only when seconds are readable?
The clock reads 9.35
